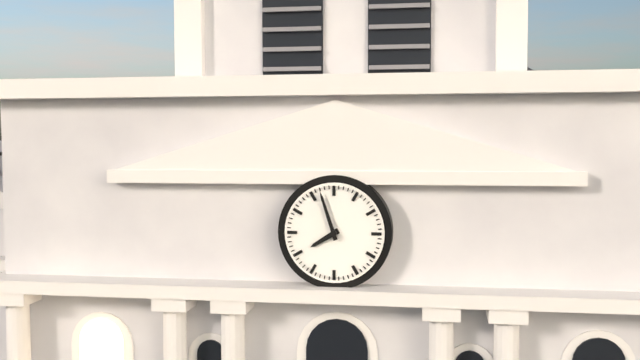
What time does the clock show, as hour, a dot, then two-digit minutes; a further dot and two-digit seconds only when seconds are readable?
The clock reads 7.57
